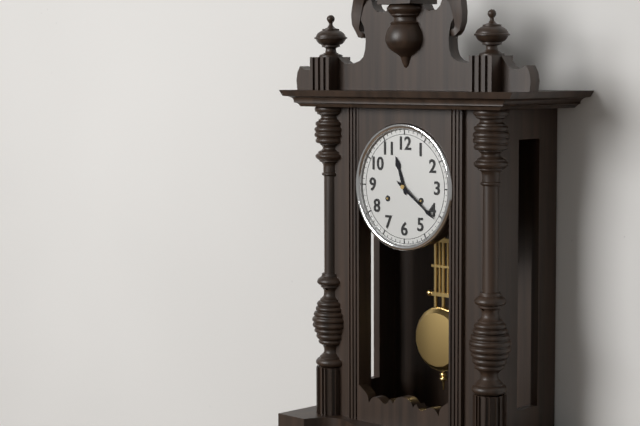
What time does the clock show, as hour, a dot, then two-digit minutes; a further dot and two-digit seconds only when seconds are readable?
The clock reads 11.21
